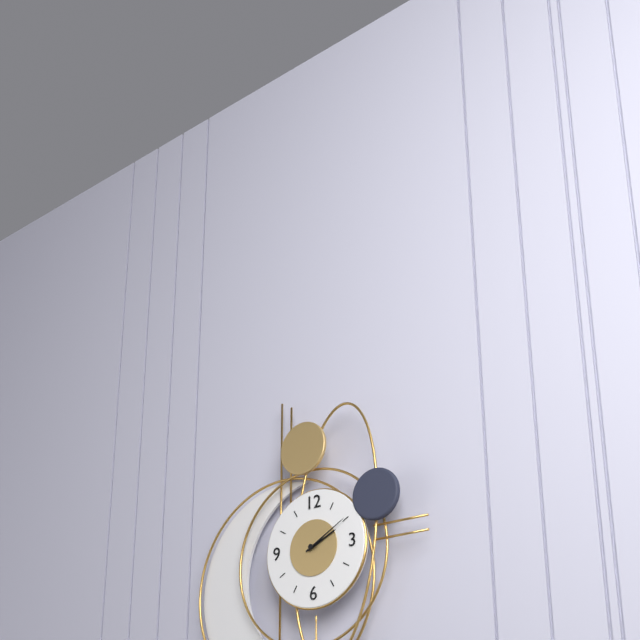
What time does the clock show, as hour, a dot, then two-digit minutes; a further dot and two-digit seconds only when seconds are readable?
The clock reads 2.10
